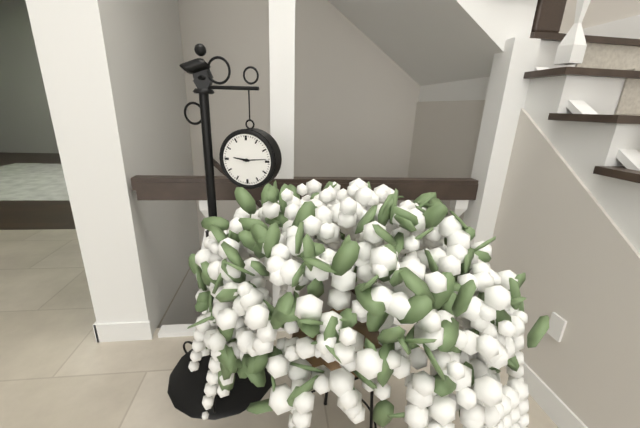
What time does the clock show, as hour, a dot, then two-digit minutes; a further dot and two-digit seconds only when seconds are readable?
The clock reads 9.14
